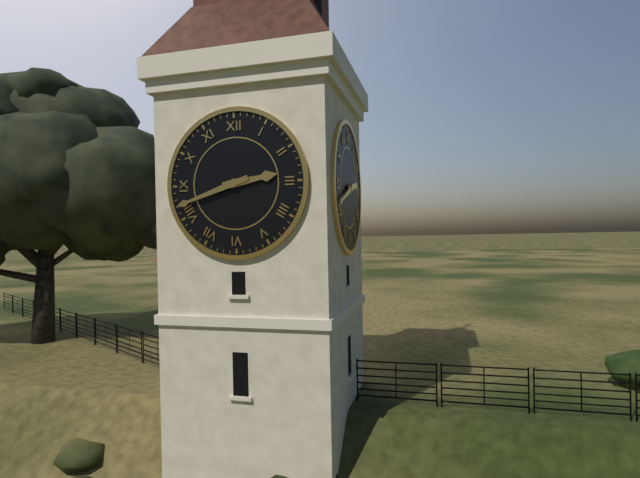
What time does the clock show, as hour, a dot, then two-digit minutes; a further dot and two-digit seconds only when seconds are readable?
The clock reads 2.42
